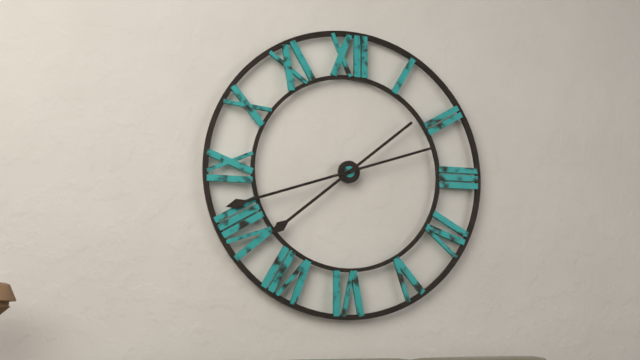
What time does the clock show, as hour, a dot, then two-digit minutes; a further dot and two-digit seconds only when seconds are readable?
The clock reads 7.42
